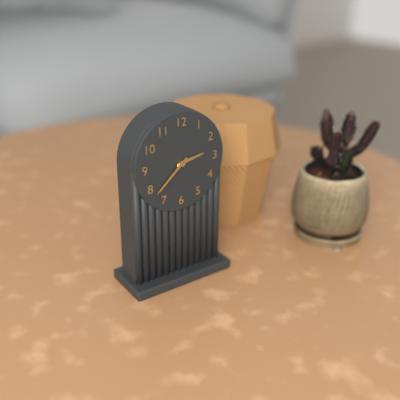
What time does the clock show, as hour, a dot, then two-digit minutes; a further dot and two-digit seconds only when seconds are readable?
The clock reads 2.38
